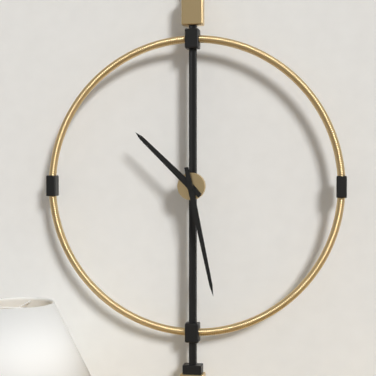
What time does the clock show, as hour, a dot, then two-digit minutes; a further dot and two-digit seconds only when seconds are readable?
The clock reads 10.28
